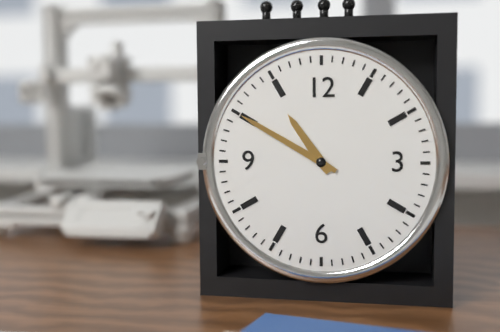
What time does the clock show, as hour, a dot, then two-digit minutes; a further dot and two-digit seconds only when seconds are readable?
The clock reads 10.50
